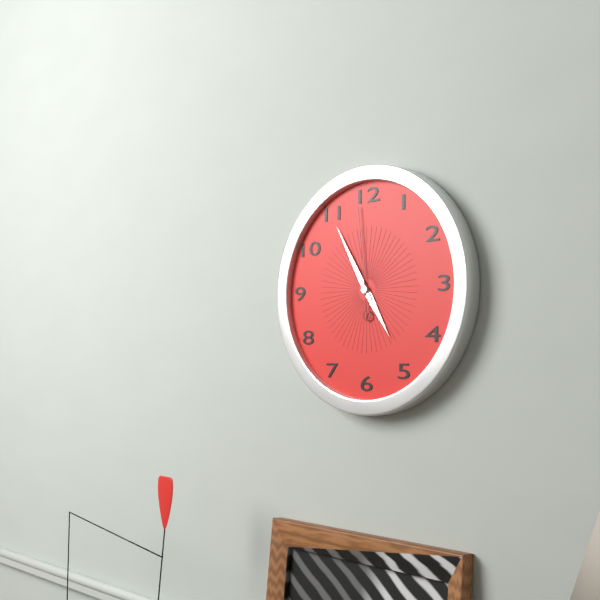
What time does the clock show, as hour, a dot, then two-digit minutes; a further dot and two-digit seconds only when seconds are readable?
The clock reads 4.55.59
